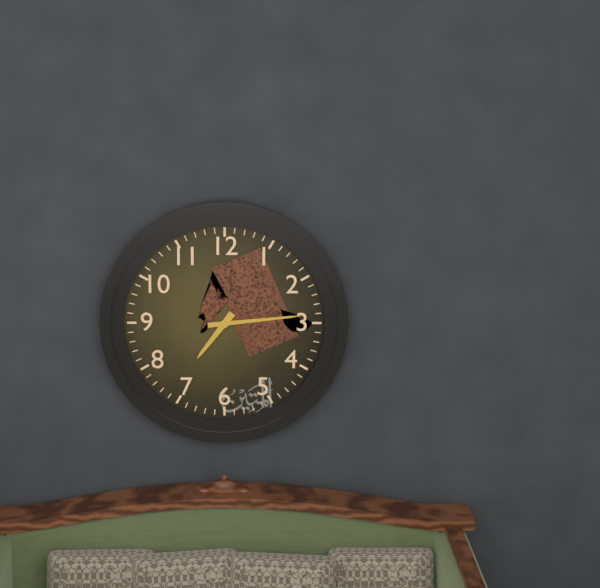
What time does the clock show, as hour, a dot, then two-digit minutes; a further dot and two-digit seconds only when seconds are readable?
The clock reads 7.14
